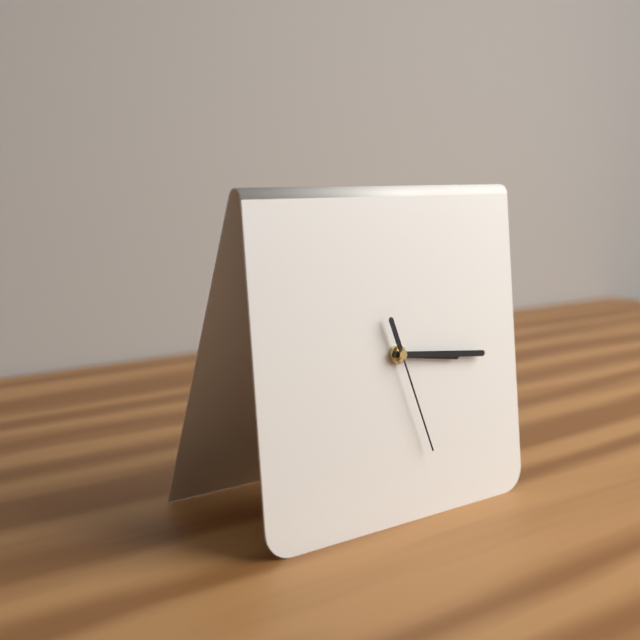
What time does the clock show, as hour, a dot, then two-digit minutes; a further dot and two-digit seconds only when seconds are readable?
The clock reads 3.16.27
